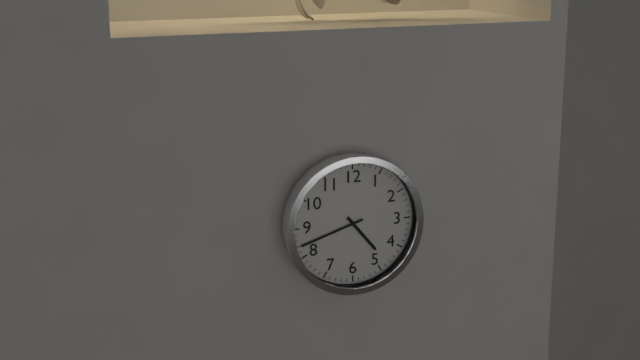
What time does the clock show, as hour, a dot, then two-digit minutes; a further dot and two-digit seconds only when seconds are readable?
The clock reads 4.42
